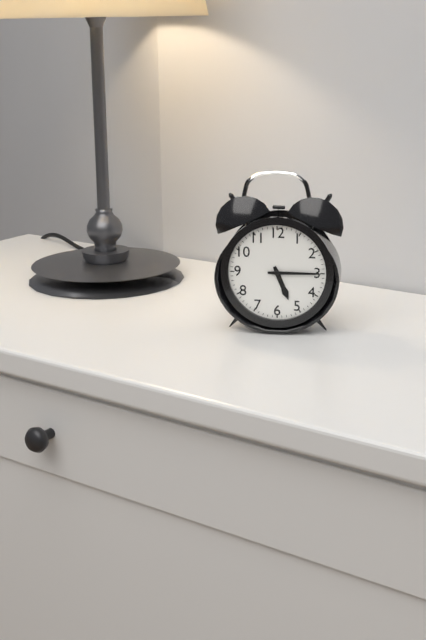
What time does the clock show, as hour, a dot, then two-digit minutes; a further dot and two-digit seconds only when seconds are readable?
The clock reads 5.15
